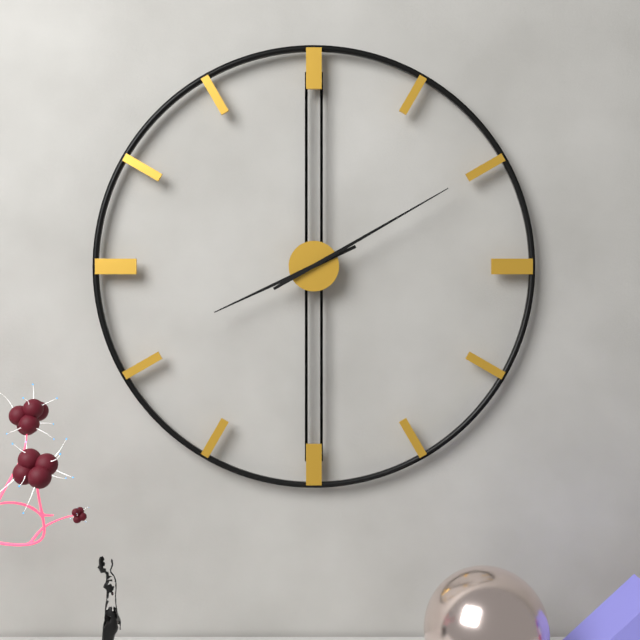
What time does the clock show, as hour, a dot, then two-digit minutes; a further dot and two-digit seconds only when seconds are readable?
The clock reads 8.10
